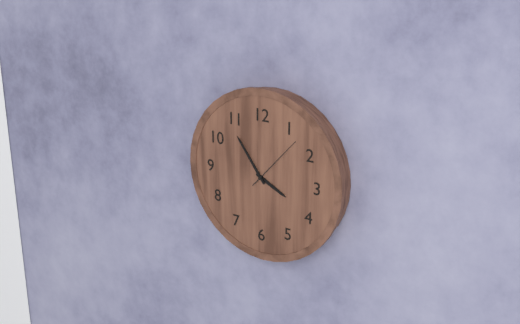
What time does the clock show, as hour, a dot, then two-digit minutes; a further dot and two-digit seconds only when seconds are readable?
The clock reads 3.54.07
